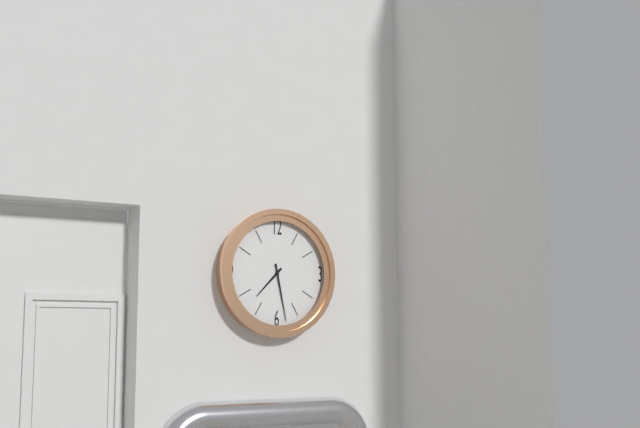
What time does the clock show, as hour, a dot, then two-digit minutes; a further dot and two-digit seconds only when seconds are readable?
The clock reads 7.28
